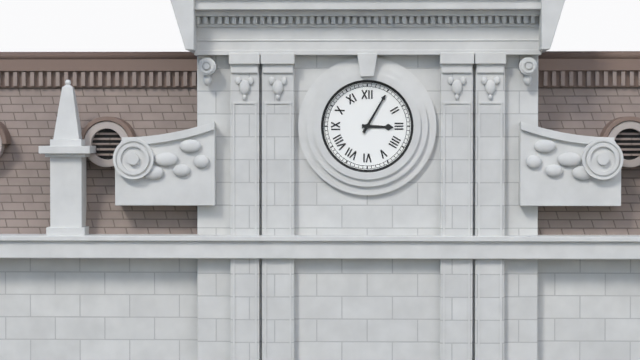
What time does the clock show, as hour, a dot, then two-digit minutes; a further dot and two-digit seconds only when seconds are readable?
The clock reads 3.05
